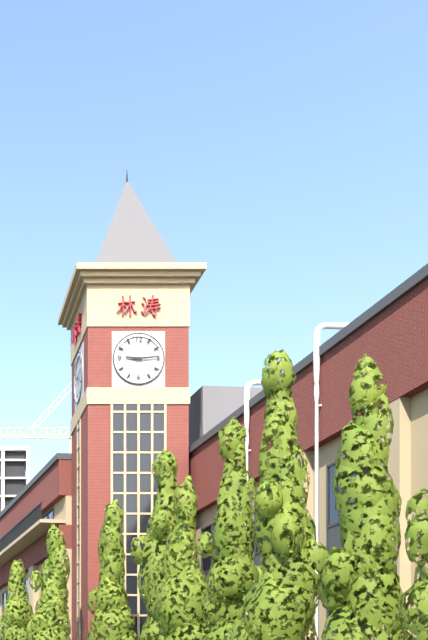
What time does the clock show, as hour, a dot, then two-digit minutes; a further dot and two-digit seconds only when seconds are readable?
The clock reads 9.14
